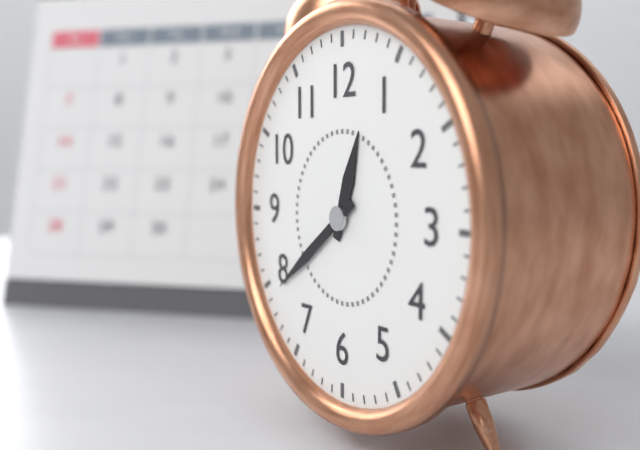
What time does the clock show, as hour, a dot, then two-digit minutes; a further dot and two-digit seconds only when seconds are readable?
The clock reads 12.39
